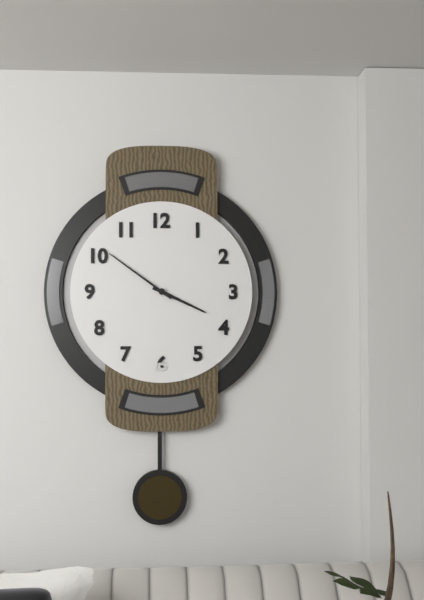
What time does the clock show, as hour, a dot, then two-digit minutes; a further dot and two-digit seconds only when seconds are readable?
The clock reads 3.51
